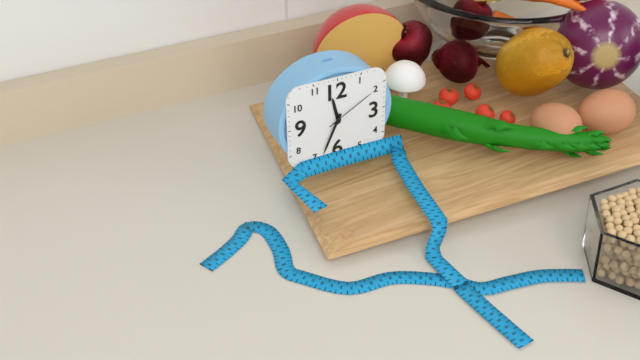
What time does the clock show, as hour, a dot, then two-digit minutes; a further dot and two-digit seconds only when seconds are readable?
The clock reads 11.34.10
